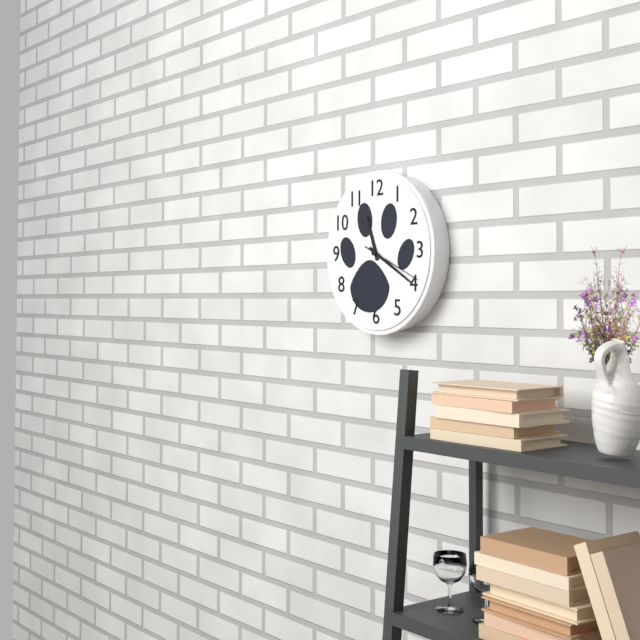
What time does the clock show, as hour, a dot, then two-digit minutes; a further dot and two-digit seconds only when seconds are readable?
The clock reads 11.20.19
